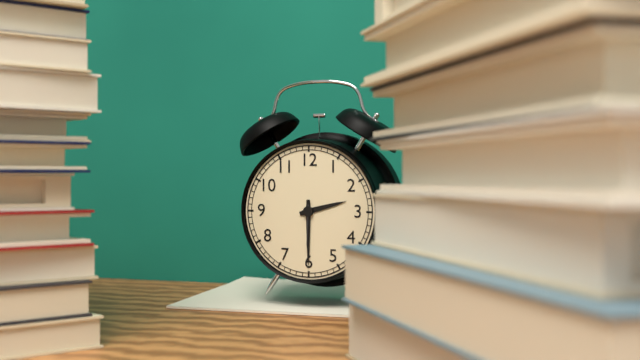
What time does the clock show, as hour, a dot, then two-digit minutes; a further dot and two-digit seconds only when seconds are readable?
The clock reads 2.30
